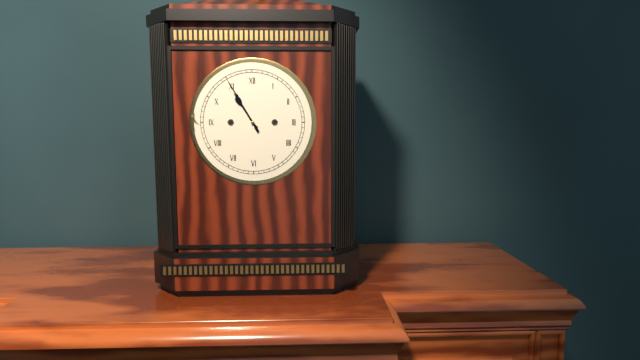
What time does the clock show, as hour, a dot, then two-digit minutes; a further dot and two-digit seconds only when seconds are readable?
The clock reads 10.55
